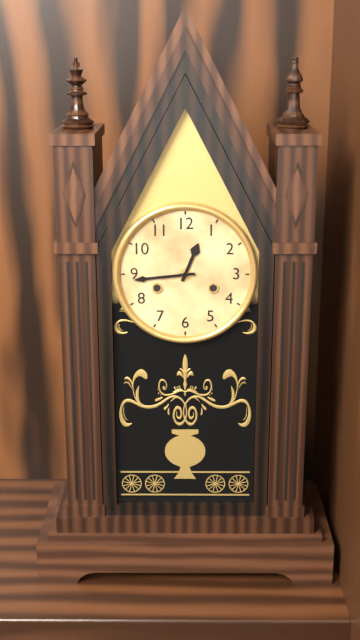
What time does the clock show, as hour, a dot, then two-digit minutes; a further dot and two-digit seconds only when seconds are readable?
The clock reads 12.44
